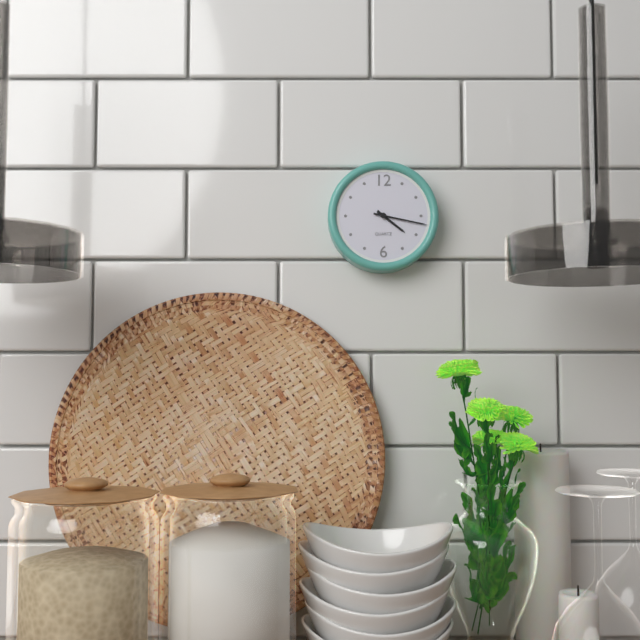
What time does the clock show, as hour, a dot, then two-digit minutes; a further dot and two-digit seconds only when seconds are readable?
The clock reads 4.17
